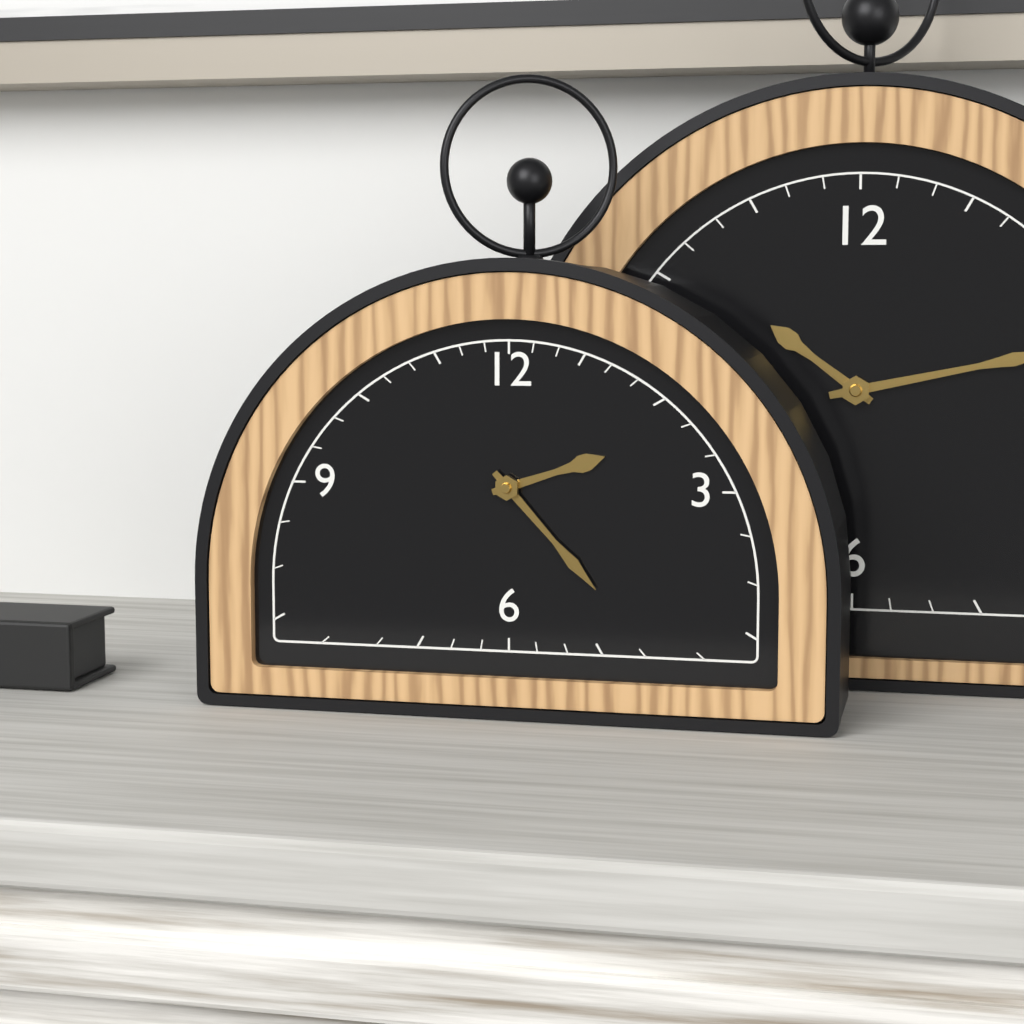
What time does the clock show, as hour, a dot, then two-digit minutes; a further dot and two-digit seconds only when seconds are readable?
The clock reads 2.23
